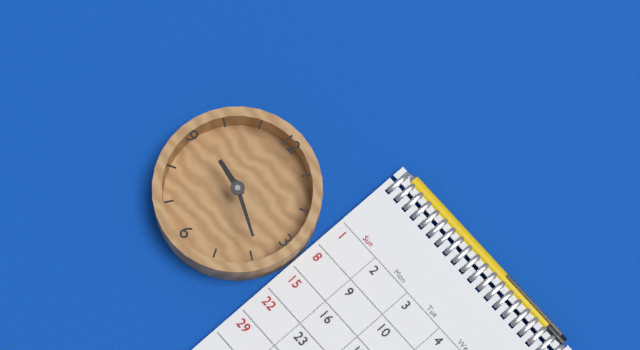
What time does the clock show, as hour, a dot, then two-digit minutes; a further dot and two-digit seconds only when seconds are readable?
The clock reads 9.19
